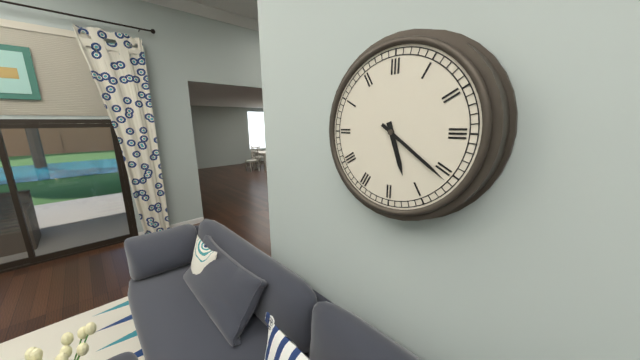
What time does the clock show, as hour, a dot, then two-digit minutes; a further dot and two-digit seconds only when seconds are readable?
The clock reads 5.21
